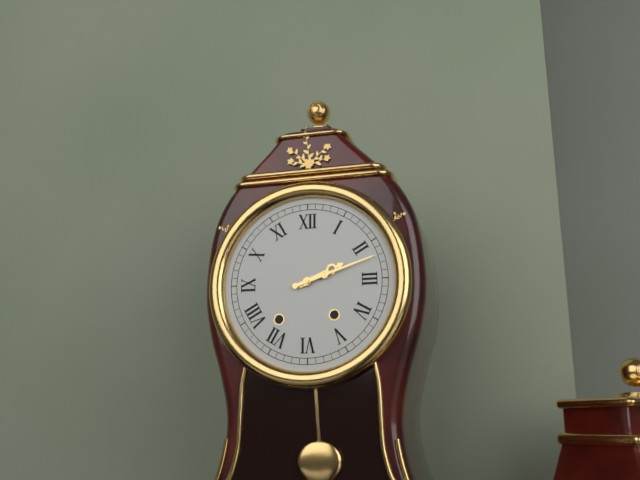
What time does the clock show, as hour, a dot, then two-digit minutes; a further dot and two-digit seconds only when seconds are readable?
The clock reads 2.12
